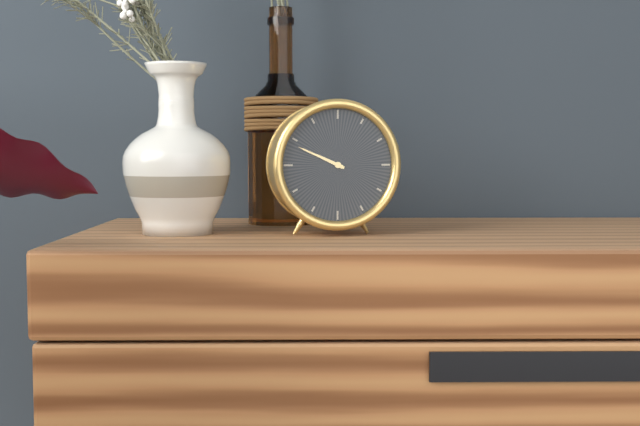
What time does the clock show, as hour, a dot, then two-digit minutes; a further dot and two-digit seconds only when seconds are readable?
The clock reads 9.49
